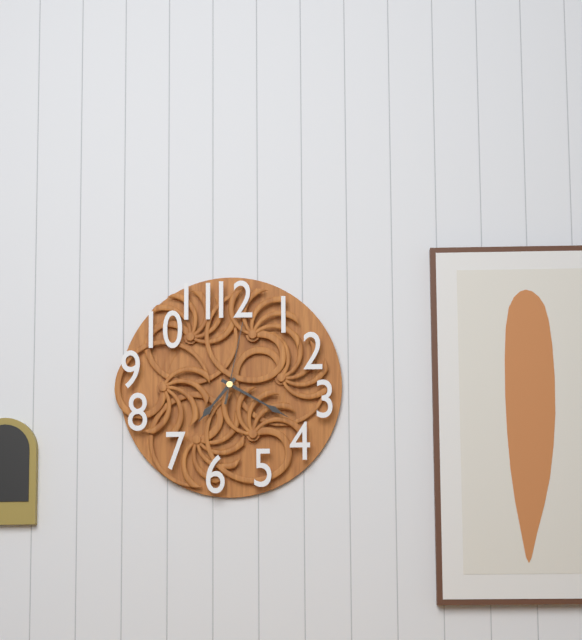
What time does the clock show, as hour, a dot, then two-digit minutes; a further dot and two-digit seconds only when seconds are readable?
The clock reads 7.20.02
